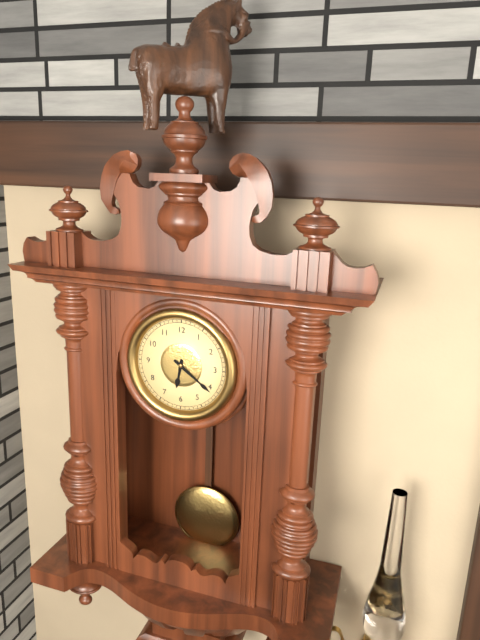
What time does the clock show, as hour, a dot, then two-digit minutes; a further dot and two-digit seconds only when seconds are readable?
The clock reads 6.21
